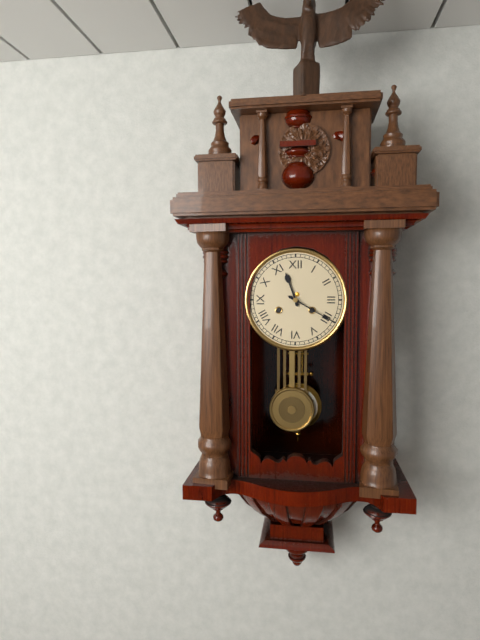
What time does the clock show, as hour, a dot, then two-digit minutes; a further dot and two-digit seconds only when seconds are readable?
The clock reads 11.20
